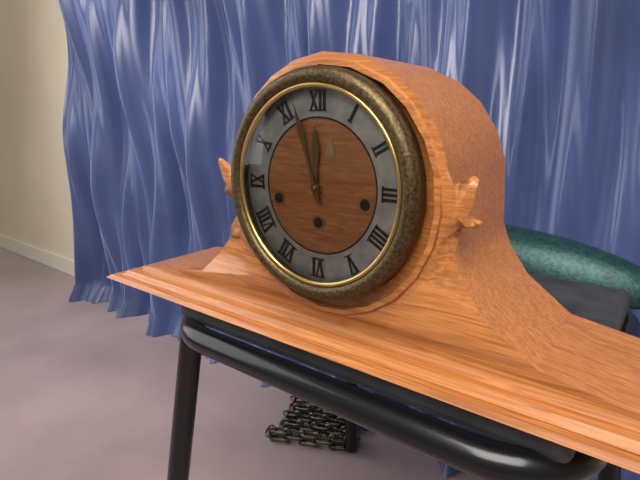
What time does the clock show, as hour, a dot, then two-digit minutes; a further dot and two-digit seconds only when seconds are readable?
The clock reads 11.57
